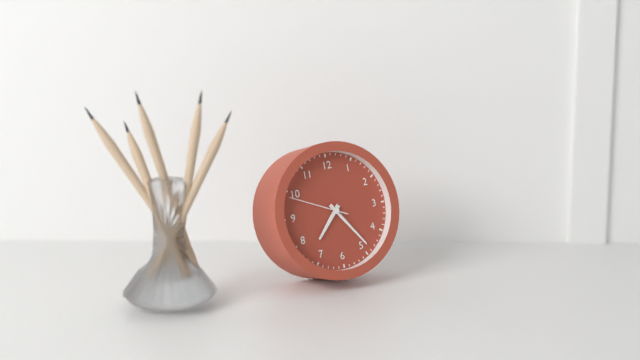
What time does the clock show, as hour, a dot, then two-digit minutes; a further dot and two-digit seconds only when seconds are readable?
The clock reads 7.24.49
